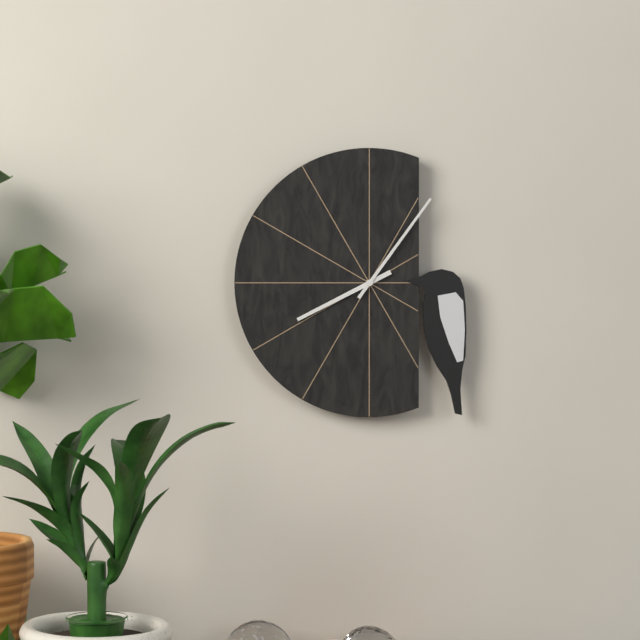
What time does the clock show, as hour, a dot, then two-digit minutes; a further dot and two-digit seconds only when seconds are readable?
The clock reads 8.06
